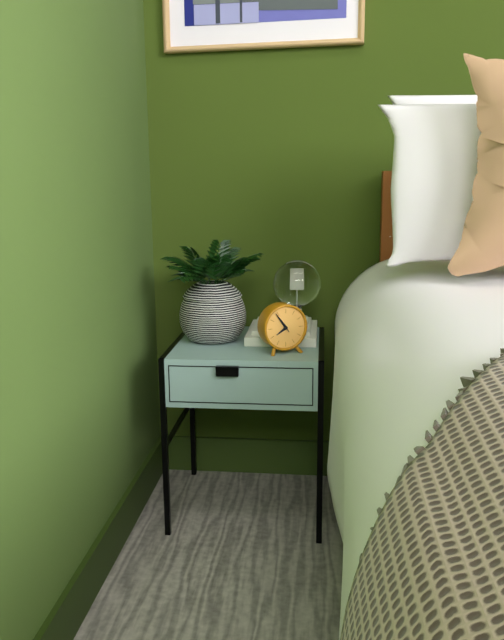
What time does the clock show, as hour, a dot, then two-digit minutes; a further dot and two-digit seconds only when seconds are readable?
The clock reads 7.54
